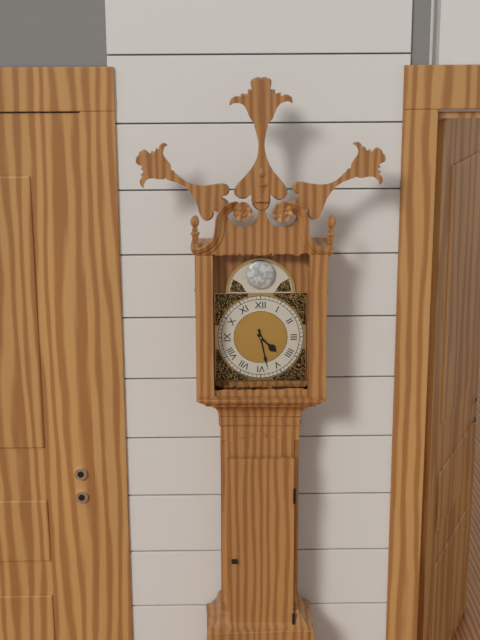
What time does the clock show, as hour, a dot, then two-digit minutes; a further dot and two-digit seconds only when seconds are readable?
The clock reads 4.28
